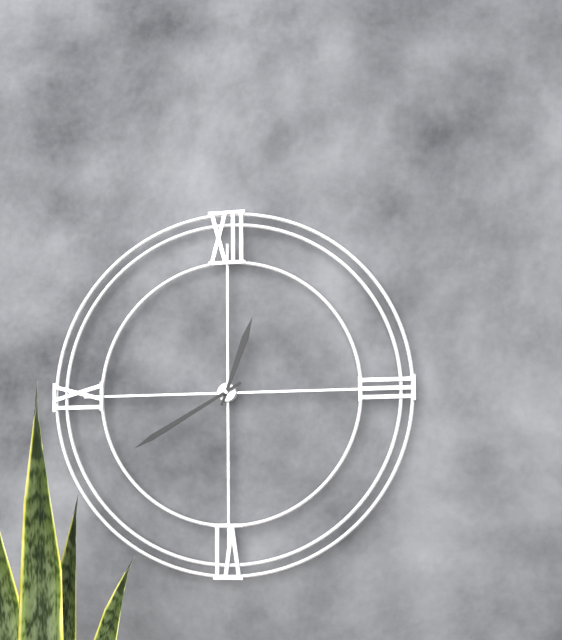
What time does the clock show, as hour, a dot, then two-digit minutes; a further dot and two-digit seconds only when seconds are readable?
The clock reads 12.40
